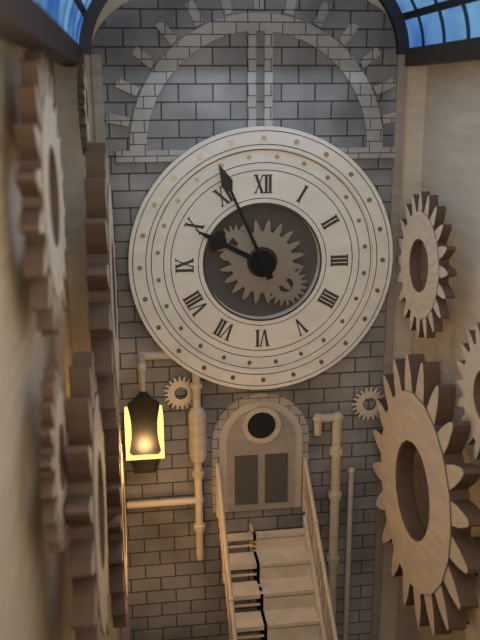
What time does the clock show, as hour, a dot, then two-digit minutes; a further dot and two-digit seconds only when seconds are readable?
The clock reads 9.56
